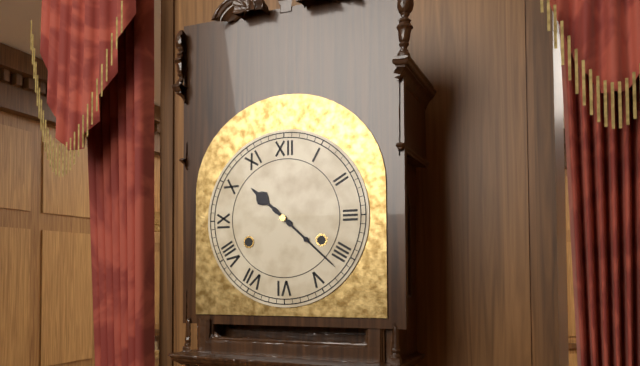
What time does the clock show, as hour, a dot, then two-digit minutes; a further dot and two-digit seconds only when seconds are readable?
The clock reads 10.22
